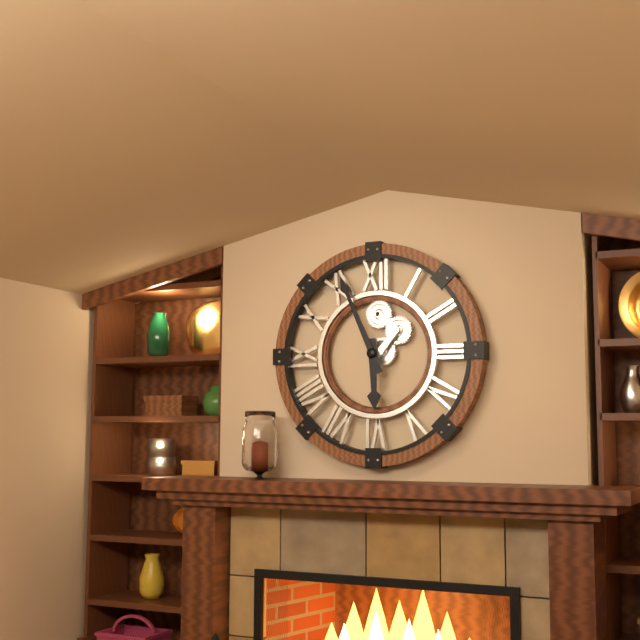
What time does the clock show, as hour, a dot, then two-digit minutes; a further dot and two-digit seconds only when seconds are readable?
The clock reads 5.56
